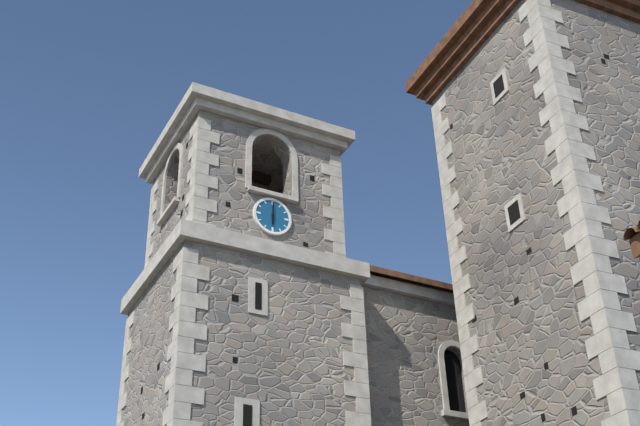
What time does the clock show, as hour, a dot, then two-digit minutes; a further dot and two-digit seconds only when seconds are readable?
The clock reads 6.00
